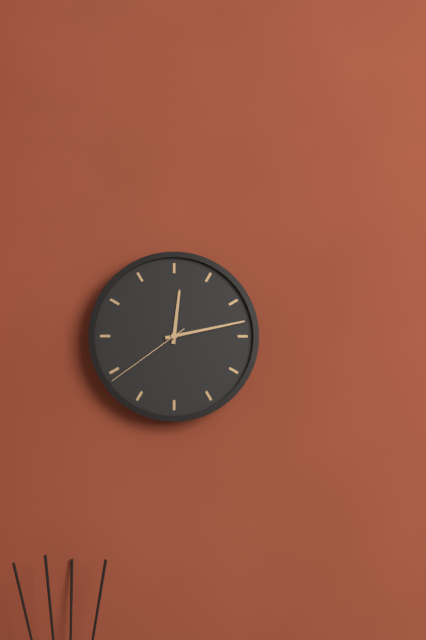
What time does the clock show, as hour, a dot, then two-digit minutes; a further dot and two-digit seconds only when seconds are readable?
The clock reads 12.13.39
